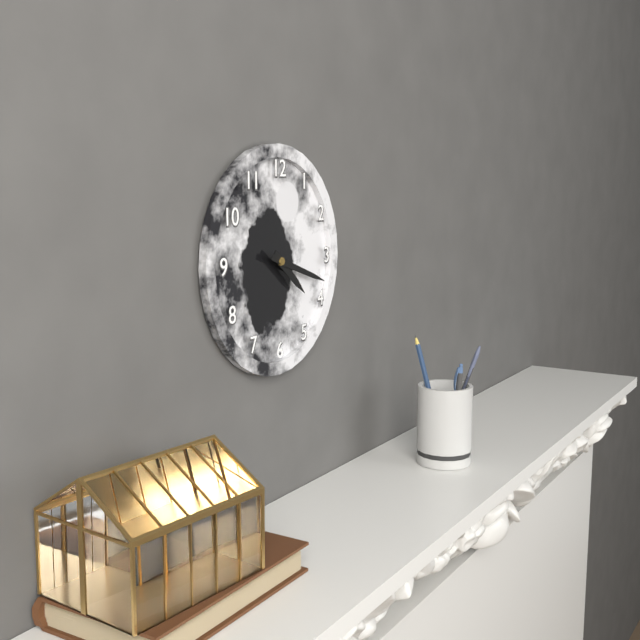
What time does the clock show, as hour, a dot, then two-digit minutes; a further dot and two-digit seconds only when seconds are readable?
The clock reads 4.18
